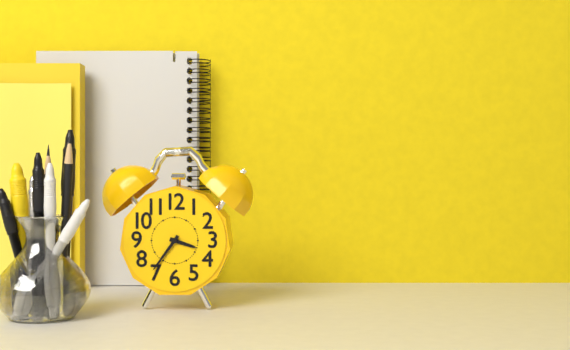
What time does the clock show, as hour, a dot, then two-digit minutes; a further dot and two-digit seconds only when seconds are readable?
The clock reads 3.36
